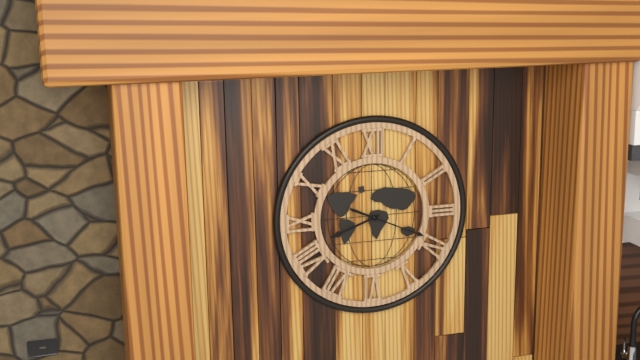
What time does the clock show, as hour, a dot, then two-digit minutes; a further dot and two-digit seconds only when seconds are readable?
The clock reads 8.19
